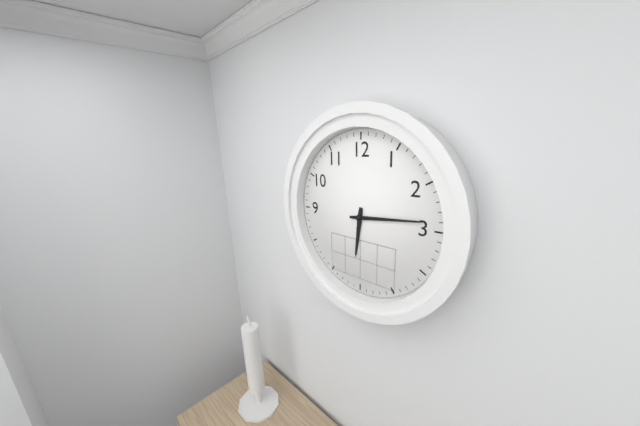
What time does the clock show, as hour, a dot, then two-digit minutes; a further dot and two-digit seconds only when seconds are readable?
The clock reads 6.14
